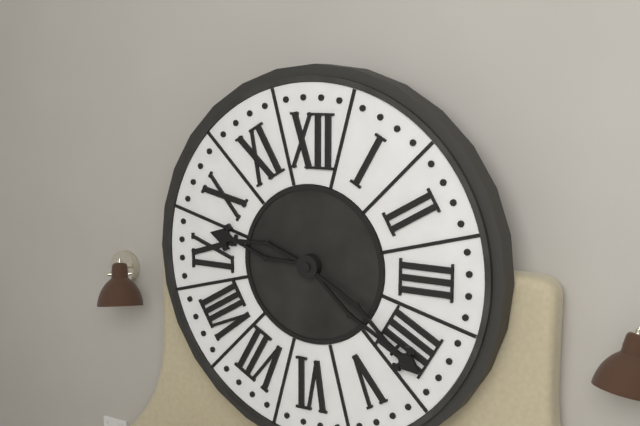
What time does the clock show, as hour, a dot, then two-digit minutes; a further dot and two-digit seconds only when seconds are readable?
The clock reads 9.21
